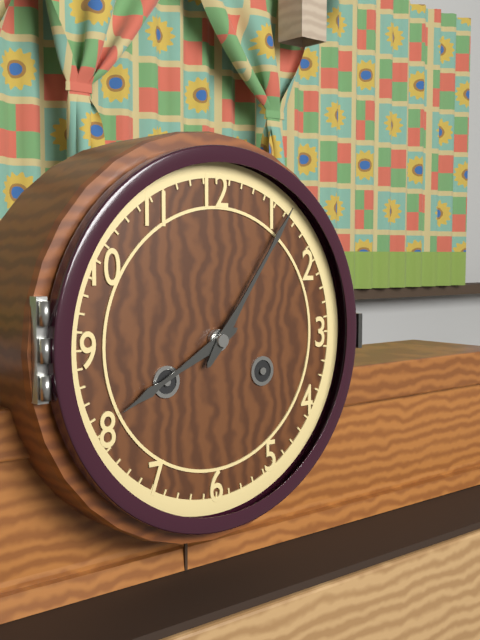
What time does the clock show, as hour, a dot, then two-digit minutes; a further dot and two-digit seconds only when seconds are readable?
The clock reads 8.06
